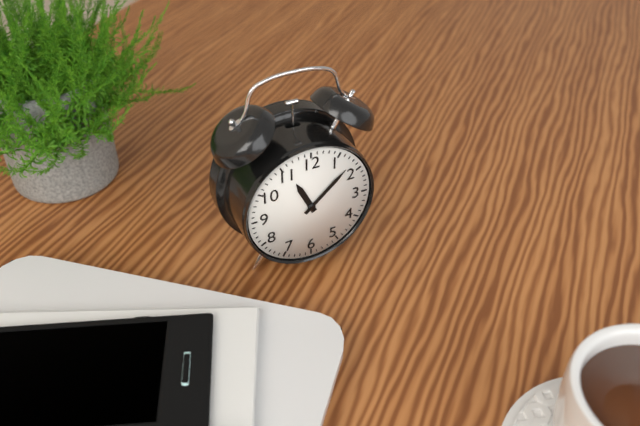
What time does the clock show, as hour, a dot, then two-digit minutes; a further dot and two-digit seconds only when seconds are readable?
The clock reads 11.08
